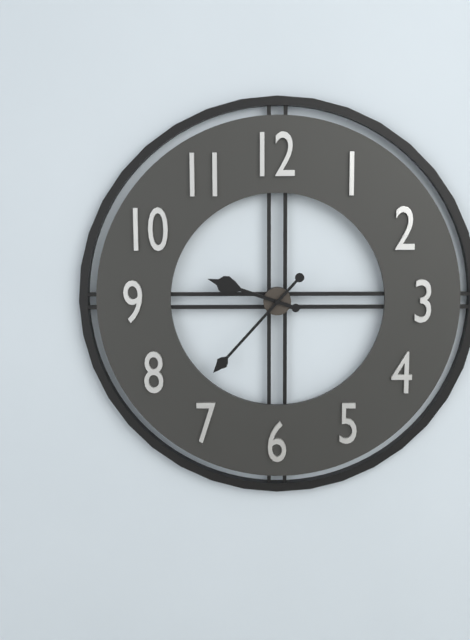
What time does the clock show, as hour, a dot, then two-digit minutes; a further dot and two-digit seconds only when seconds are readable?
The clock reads 9.37
